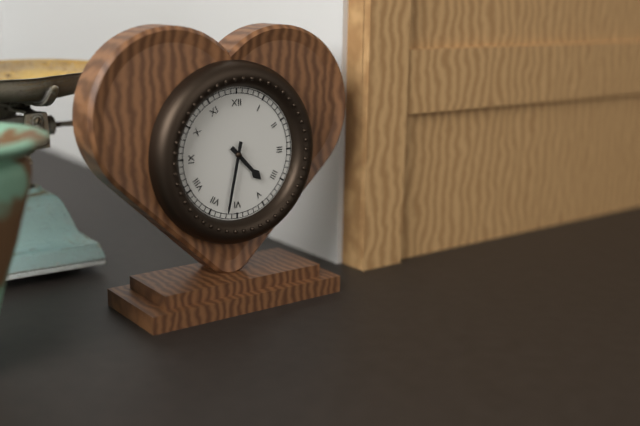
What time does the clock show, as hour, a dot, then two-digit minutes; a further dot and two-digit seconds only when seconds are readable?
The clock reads 4.32
